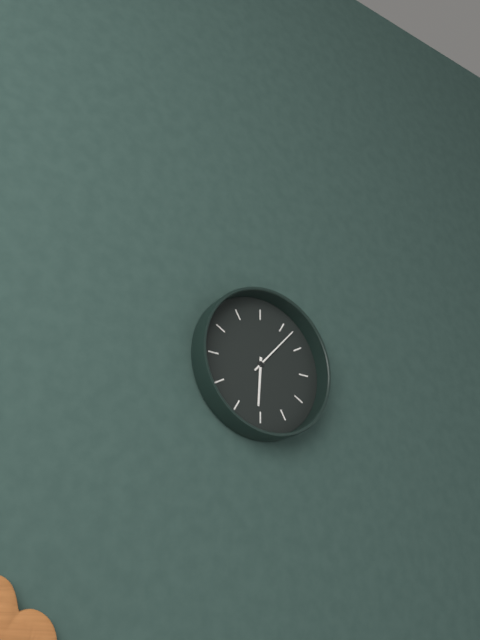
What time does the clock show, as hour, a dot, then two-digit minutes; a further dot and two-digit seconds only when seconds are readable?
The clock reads 6.07
